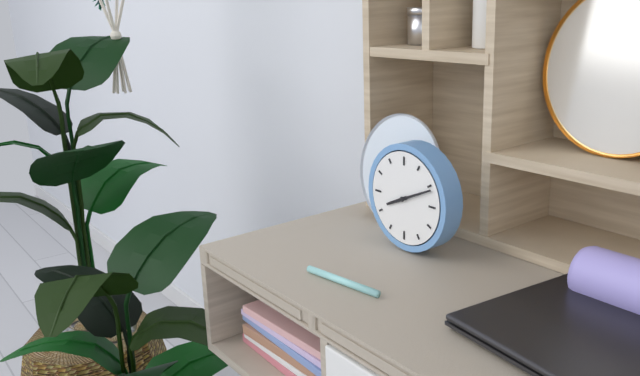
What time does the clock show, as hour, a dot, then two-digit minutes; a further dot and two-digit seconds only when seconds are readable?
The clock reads 8.11
